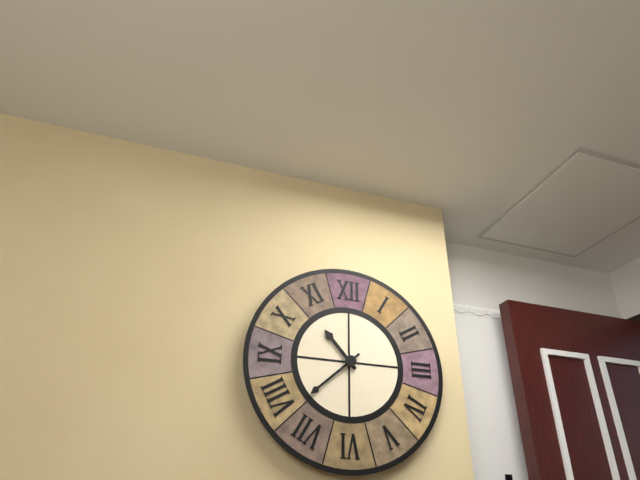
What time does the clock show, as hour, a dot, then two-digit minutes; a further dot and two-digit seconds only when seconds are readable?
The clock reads 10.38
